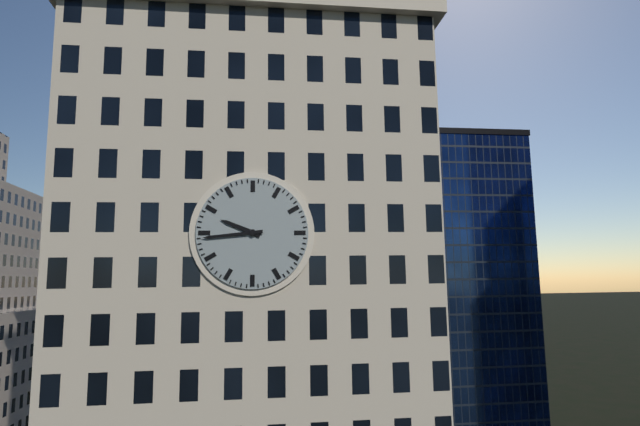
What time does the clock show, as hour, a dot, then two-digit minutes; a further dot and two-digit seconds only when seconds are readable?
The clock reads 9.44
